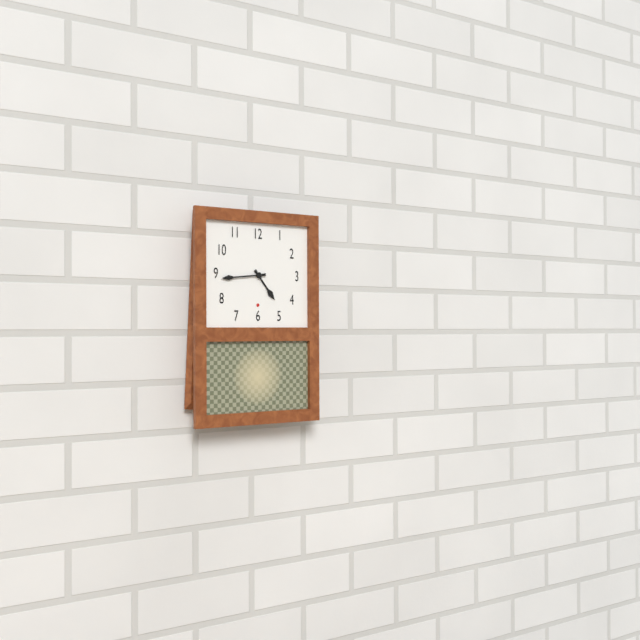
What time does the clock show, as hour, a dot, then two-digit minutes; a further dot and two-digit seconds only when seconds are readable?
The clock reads 4.44
